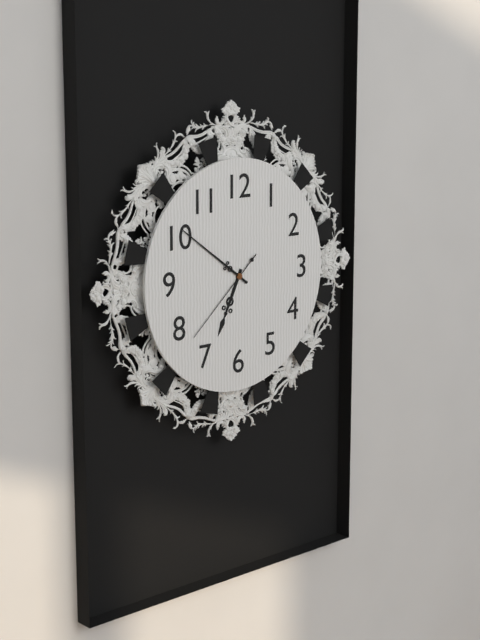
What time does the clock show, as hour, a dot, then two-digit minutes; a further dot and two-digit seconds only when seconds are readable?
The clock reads 6.51.38
